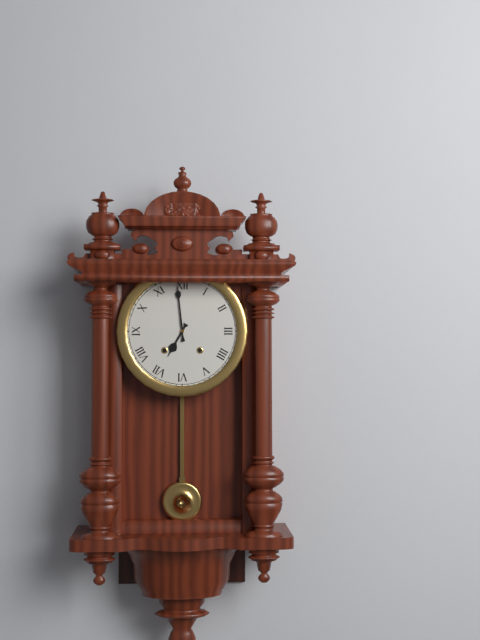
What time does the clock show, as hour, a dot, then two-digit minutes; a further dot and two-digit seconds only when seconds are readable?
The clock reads 6.59
